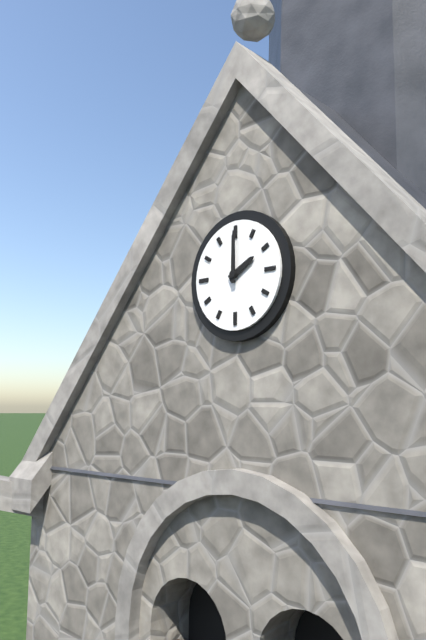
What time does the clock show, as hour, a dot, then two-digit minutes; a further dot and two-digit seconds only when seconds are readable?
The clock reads 2.00
